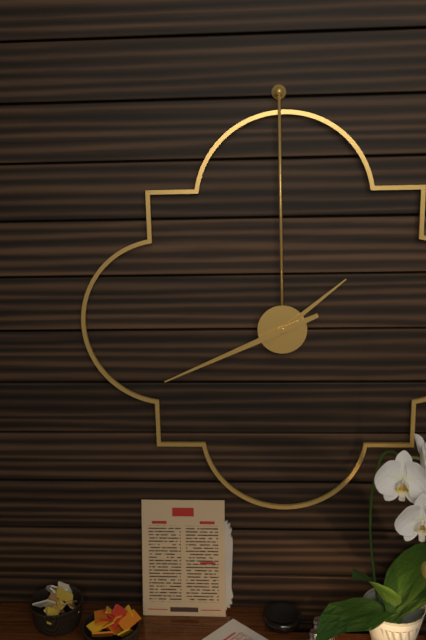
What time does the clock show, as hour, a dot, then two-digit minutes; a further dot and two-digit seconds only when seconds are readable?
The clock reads 1.41
